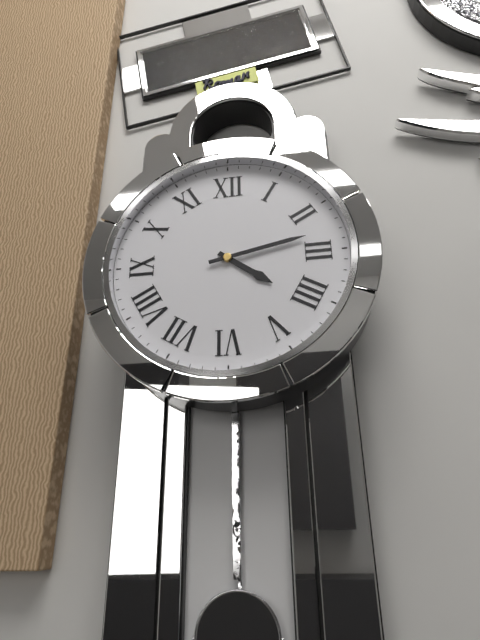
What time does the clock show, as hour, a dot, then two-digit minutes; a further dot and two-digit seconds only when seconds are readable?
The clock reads 4.13
